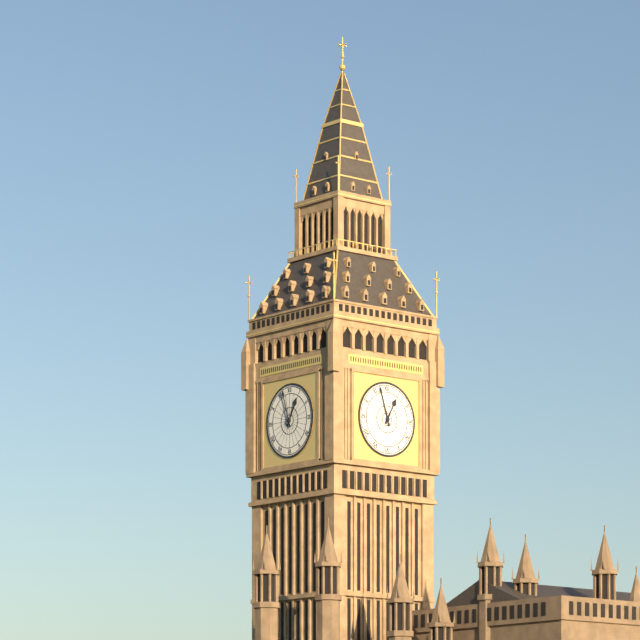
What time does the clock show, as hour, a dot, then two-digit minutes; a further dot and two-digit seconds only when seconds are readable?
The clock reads 12.57
